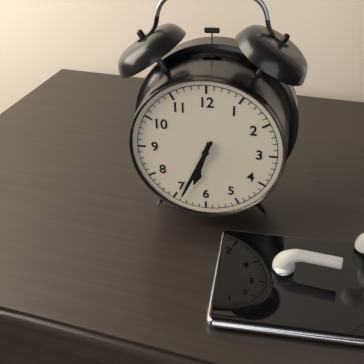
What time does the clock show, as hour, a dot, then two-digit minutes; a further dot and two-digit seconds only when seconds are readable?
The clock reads 6.34
